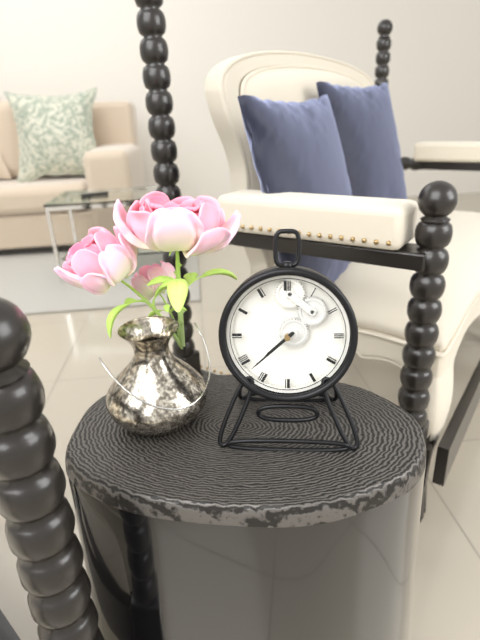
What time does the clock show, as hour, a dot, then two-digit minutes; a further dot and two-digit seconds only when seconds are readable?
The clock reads 7.38
